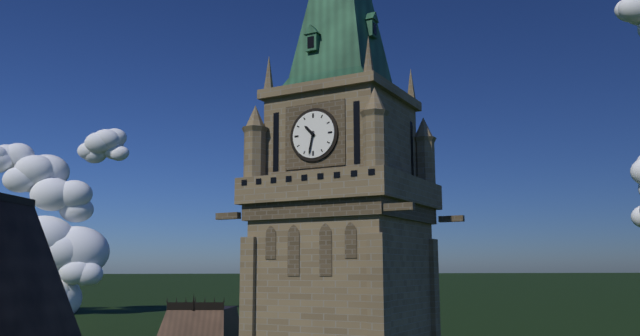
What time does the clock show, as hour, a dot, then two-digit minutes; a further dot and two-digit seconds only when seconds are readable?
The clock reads 10.32
